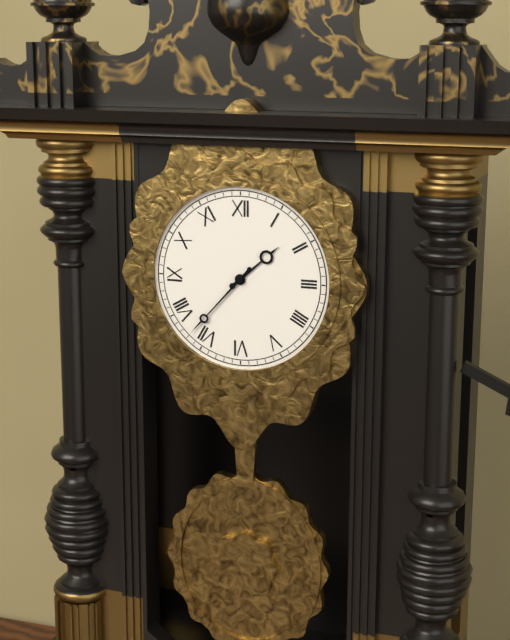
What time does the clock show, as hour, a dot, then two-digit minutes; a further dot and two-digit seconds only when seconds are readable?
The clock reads 1.37
